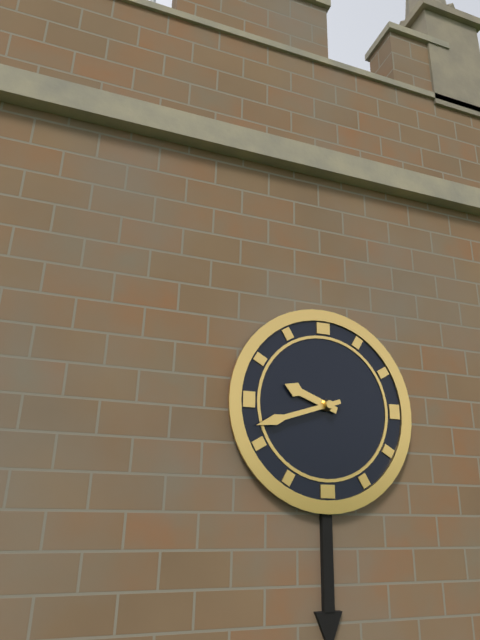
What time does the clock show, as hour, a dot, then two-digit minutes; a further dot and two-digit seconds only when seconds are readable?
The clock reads 9.42
